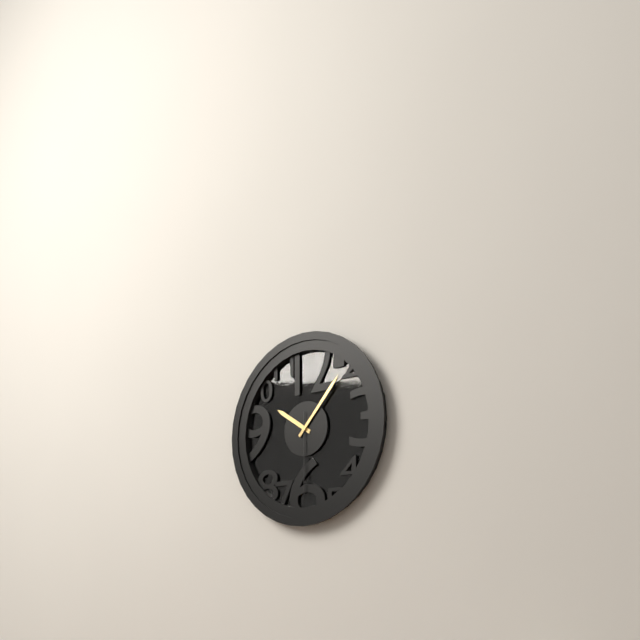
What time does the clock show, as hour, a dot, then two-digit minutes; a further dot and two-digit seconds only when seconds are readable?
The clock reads 10.07.30
